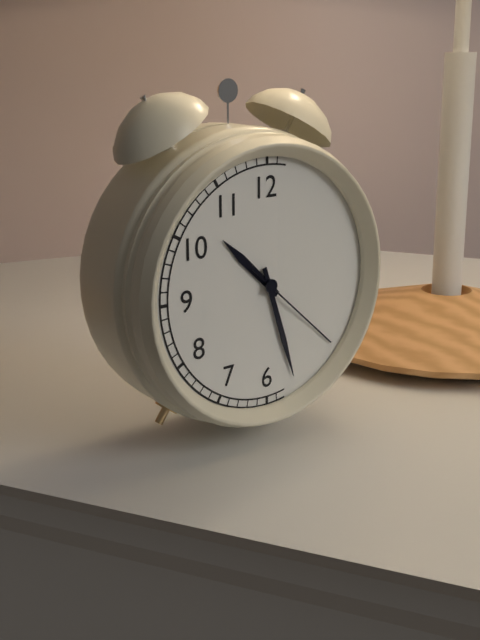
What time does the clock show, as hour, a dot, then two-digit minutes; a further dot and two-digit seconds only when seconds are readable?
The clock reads 10.27.22
